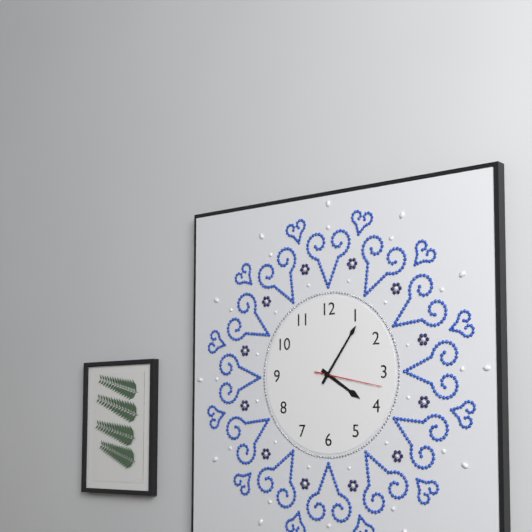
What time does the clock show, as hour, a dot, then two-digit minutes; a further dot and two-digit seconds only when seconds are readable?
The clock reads 4.06.17
